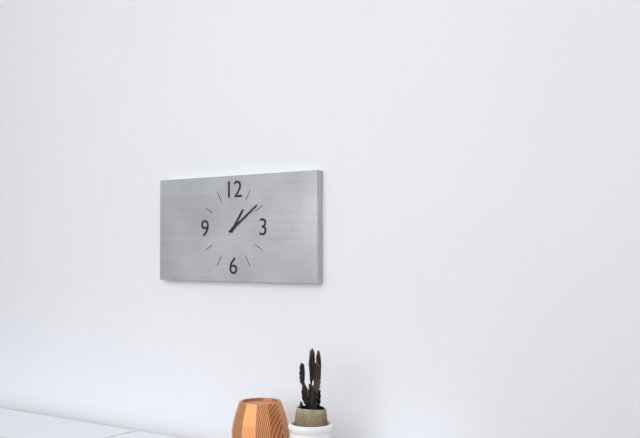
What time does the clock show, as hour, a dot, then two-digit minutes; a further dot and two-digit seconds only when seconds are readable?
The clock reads 1.09
